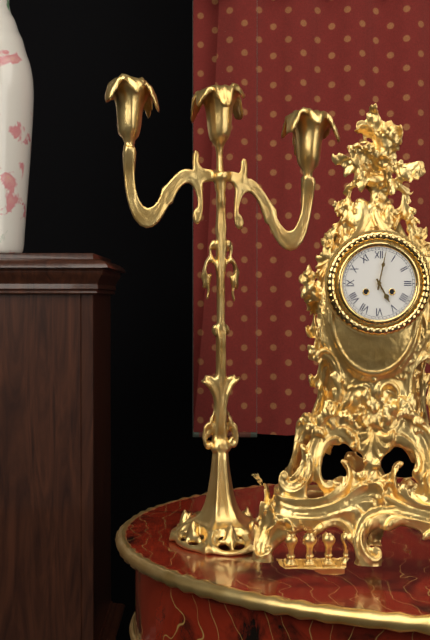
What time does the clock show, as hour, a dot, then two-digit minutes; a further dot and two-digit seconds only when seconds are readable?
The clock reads 5.02
